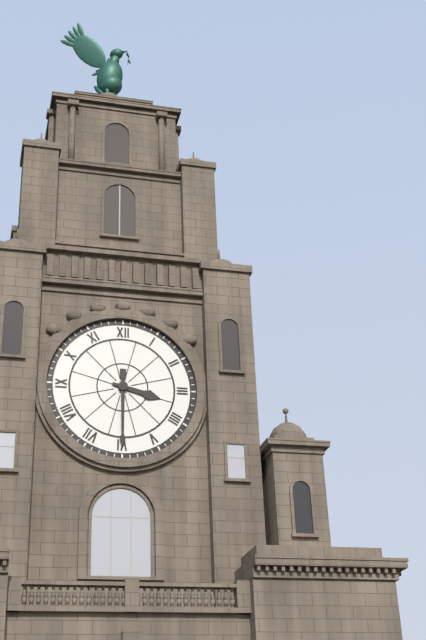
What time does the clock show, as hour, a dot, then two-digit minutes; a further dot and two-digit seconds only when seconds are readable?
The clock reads 3.30
